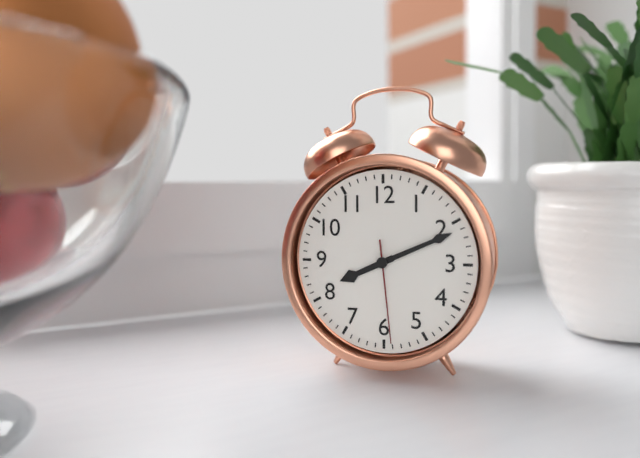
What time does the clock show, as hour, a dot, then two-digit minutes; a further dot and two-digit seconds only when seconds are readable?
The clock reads 8.11.29
